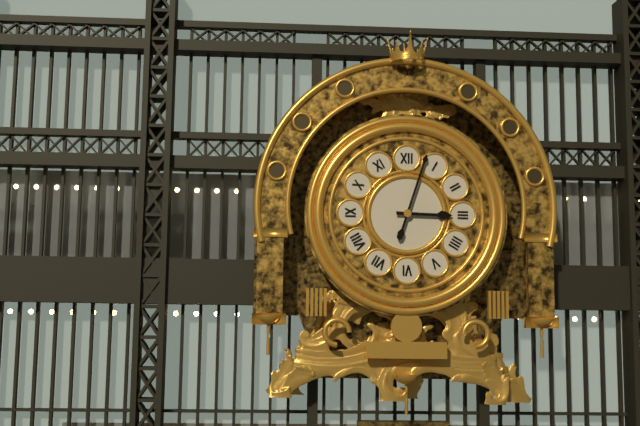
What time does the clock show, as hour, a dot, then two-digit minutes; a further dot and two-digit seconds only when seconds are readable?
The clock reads 3.03
